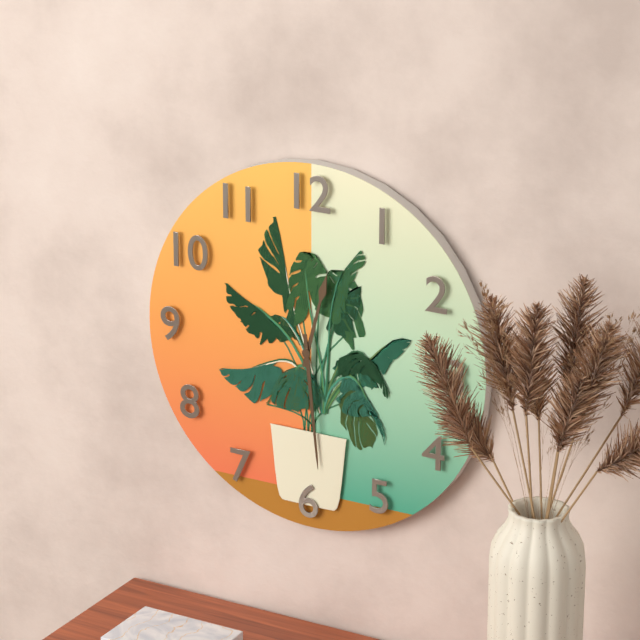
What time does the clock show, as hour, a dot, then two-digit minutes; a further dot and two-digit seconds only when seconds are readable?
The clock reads 12.29
